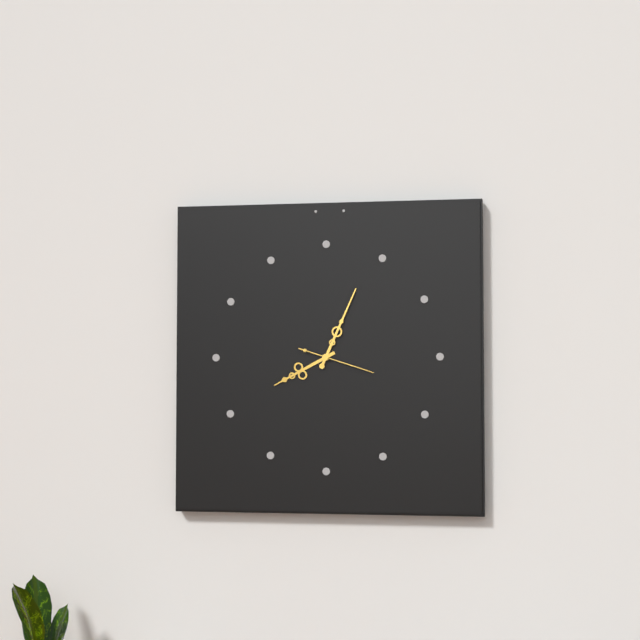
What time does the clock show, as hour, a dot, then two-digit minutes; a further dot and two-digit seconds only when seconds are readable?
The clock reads 8.04.18
